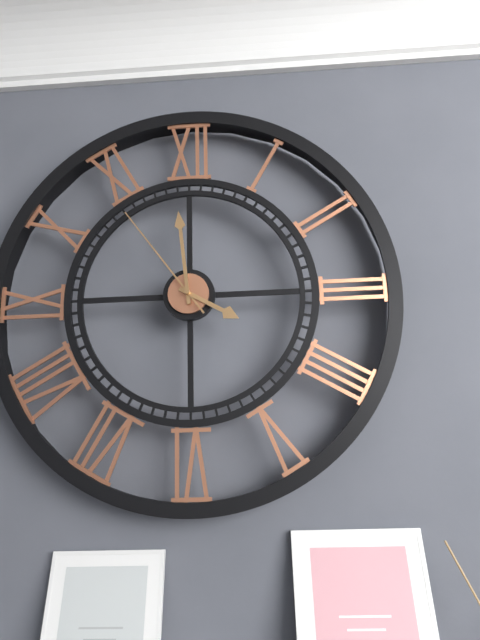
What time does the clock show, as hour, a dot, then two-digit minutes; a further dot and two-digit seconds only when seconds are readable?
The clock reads 3.59.54
